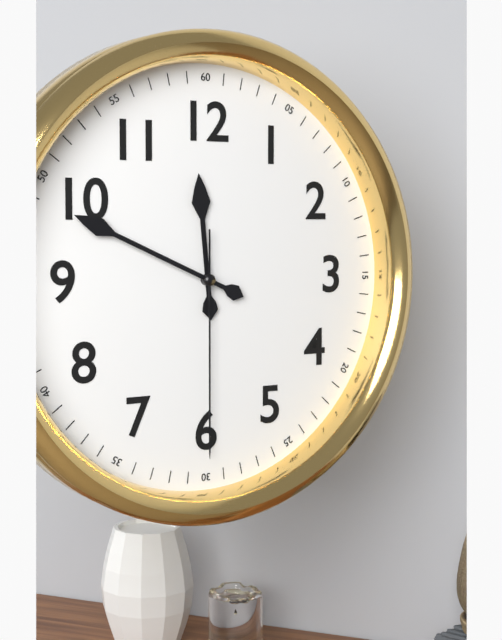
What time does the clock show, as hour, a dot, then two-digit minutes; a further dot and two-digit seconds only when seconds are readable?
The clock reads 11.49.30
